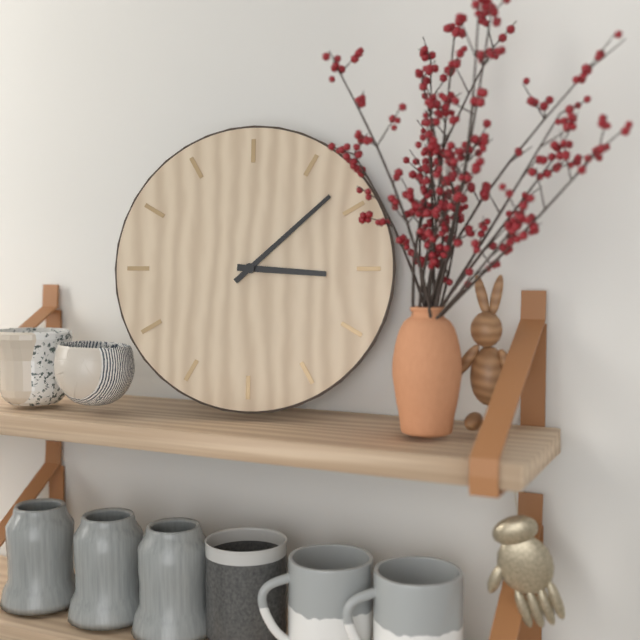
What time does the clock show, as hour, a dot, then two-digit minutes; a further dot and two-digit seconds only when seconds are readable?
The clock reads 3.08
